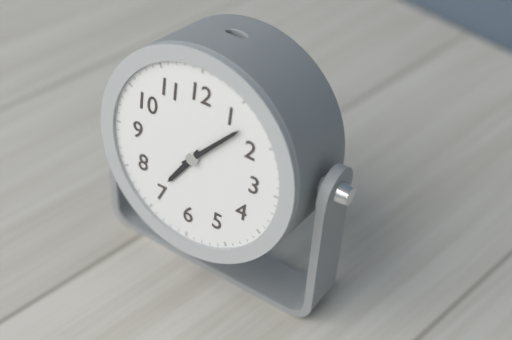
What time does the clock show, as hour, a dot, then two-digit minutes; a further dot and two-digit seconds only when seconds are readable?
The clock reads 7.07
